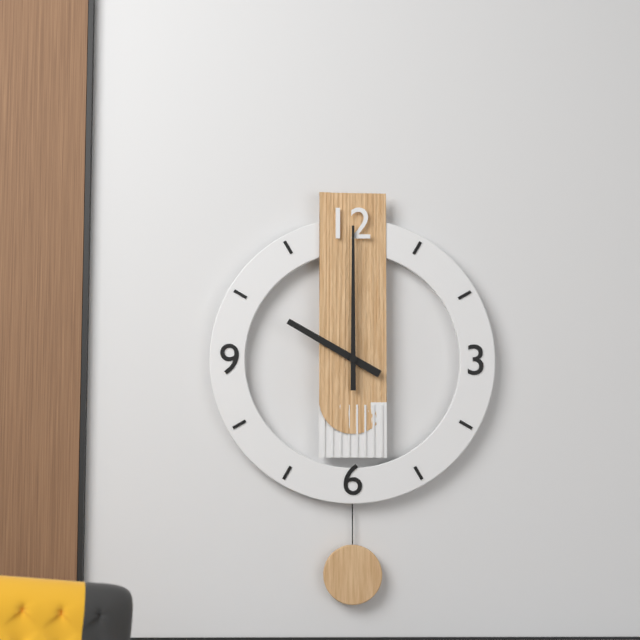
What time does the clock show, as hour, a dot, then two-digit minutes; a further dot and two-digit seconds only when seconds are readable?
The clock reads 10.00
